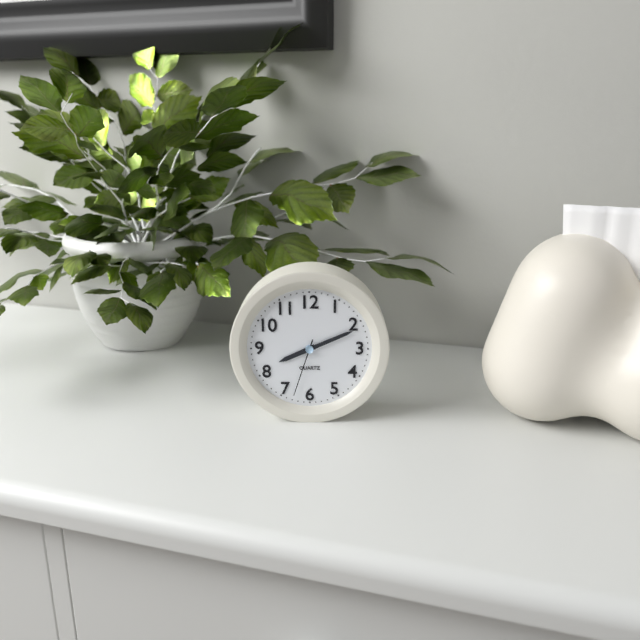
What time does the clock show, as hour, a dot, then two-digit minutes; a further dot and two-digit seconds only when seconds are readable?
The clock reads 8.11.33
